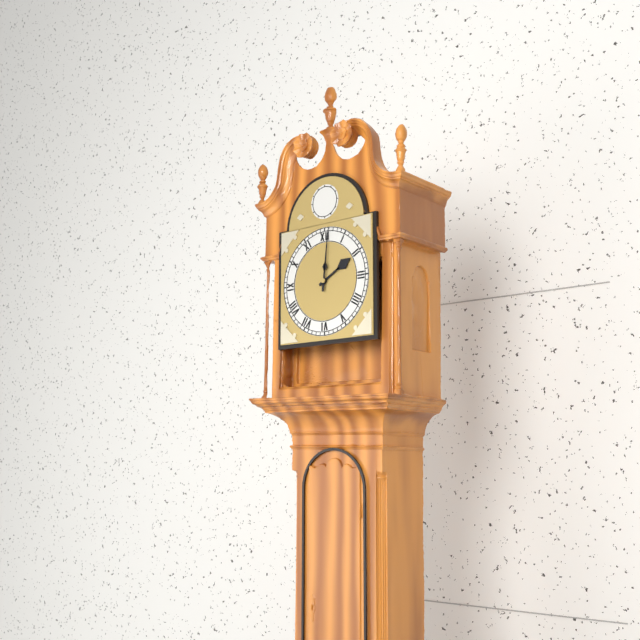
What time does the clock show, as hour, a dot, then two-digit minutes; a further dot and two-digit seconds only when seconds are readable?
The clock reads 2.01
